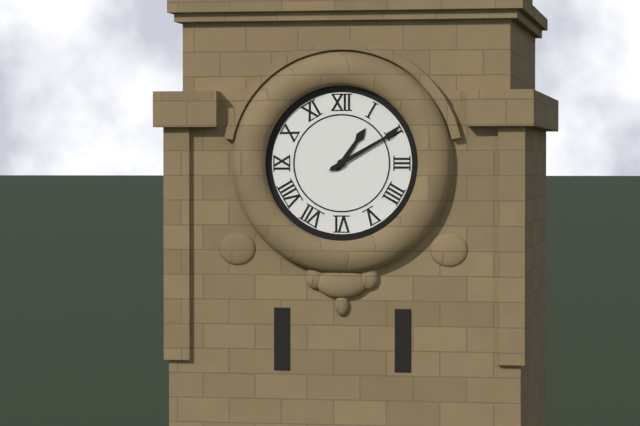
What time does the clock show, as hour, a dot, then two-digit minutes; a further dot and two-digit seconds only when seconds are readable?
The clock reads 1.10
